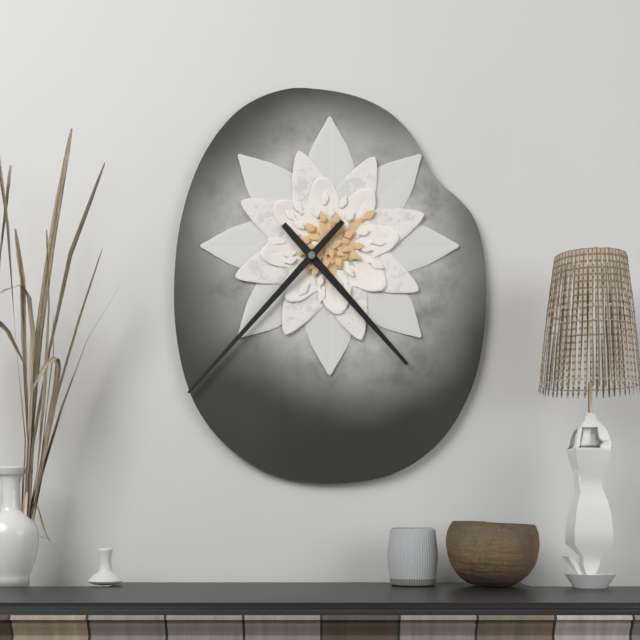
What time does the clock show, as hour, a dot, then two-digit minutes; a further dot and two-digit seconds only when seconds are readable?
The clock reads 4.37
